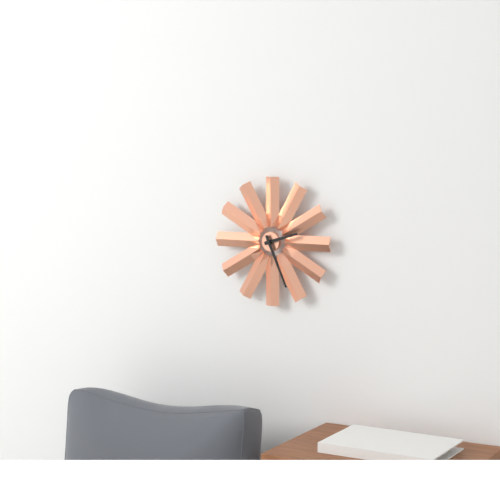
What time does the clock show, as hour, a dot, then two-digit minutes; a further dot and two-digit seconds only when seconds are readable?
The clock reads 2.26
